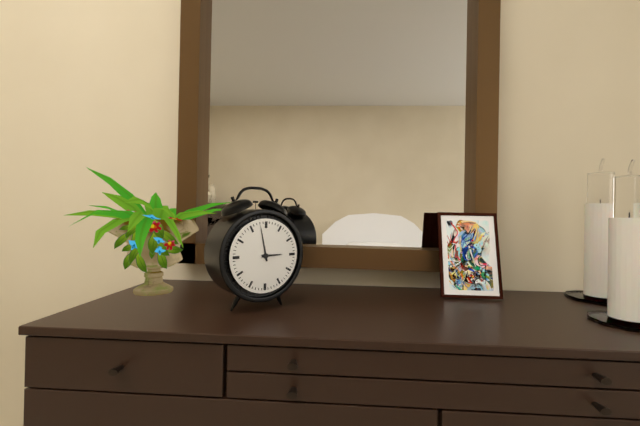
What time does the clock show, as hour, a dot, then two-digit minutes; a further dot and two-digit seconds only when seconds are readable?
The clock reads 2.58
